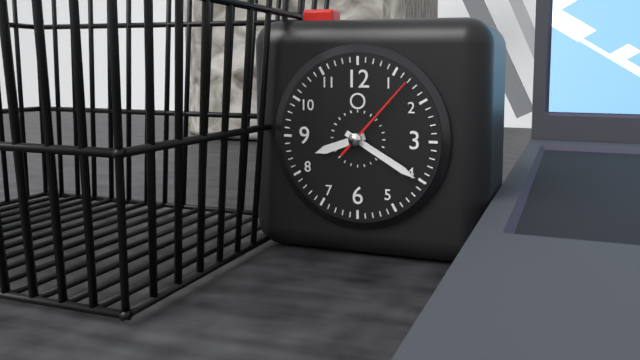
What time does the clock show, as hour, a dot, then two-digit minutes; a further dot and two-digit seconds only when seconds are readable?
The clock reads 8.20.07
